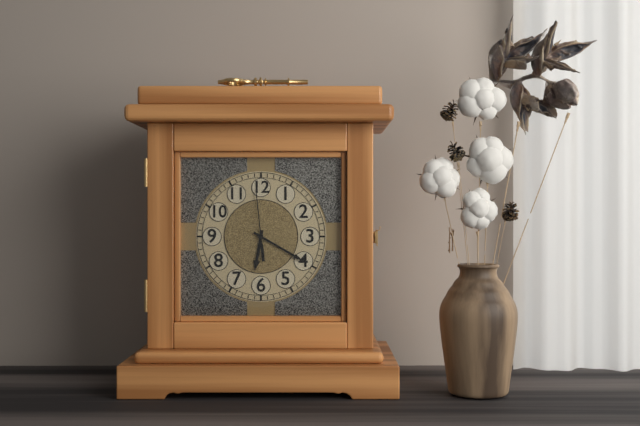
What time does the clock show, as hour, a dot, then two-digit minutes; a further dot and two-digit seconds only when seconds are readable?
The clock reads 6.20.59
